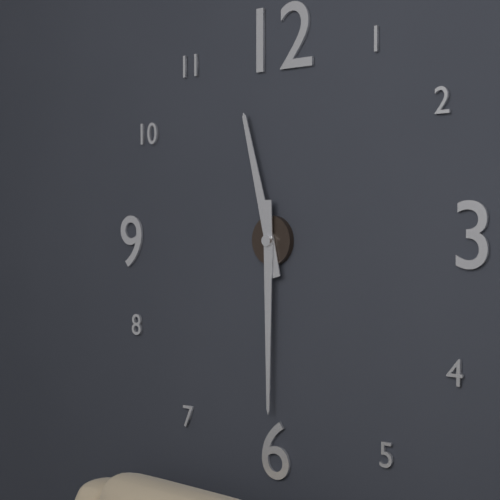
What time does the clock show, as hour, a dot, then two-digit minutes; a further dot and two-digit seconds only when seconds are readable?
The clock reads 11.30
